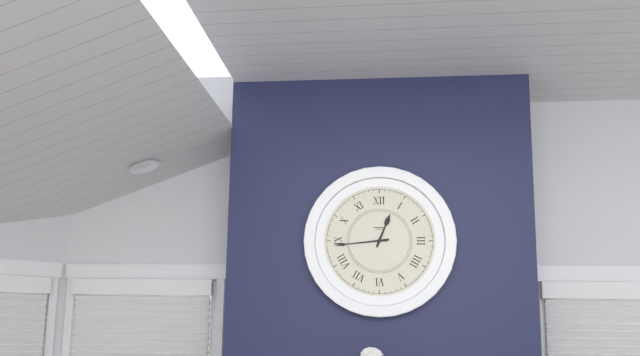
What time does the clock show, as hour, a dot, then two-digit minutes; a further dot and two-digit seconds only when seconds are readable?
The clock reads 12.44
